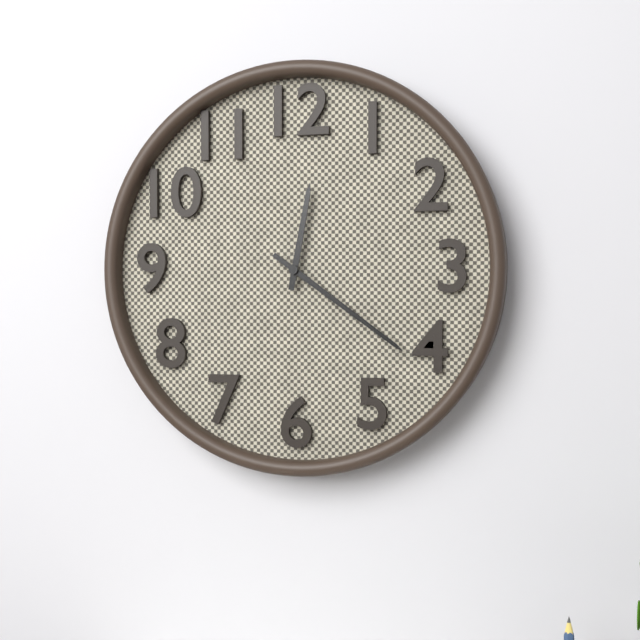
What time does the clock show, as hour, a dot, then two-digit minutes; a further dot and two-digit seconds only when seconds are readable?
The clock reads 12.21
